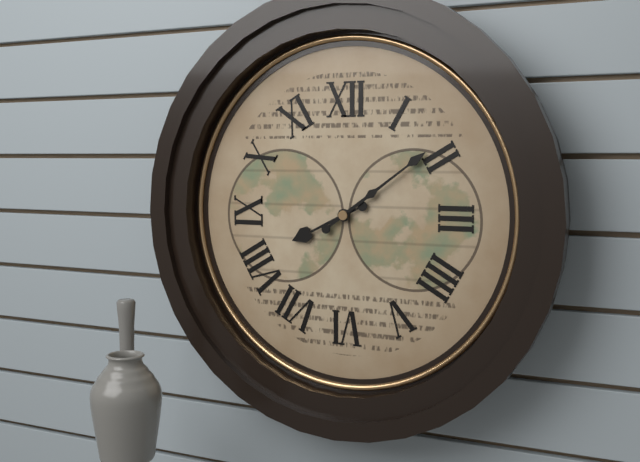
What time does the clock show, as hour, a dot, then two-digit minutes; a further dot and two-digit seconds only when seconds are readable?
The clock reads 8.09
